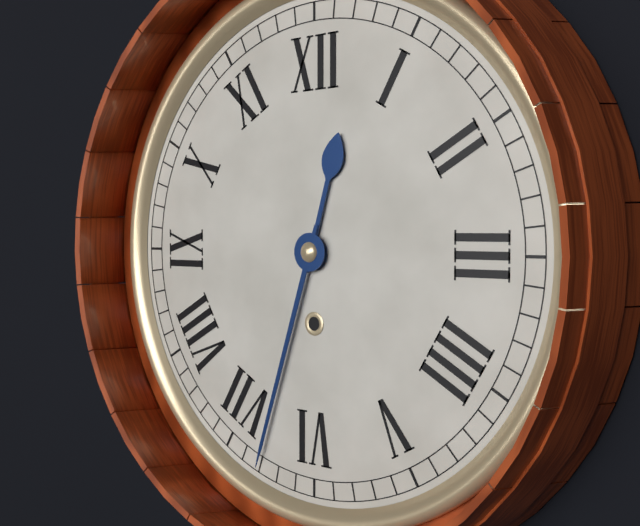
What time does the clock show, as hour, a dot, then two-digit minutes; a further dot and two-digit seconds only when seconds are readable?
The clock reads 12.33
